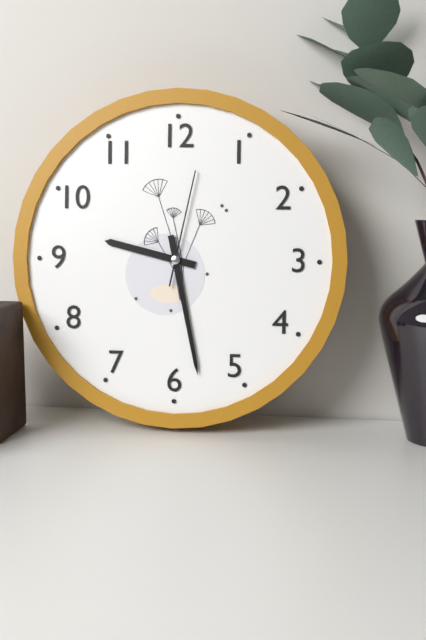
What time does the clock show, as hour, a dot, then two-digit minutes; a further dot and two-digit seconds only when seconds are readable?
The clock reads 9.28.02
